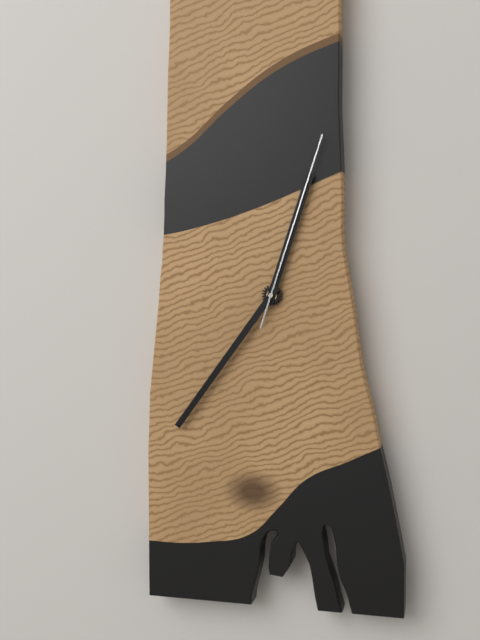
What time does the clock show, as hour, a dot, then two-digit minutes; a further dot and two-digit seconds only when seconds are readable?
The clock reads 12.36.03
